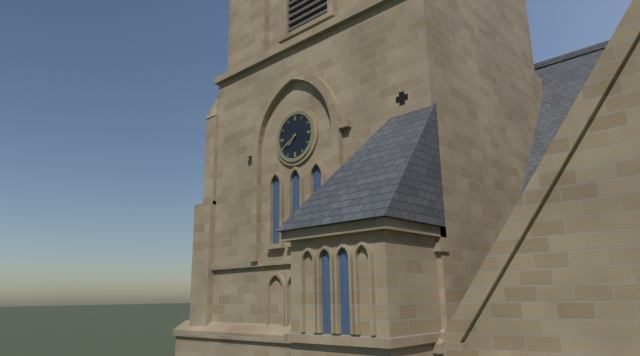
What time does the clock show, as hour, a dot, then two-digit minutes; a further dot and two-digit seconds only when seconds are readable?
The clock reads 7.40
